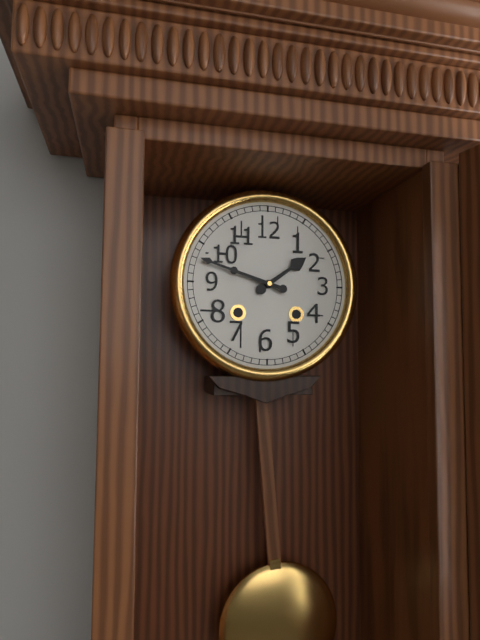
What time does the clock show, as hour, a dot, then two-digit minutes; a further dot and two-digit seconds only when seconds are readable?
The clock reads 1.48
